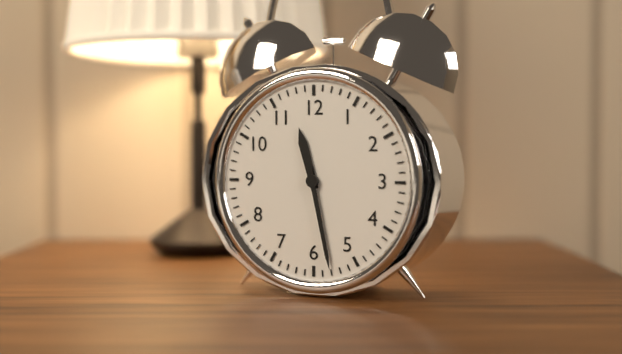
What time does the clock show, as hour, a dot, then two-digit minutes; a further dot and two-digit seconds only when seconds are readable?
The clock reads 11.28
